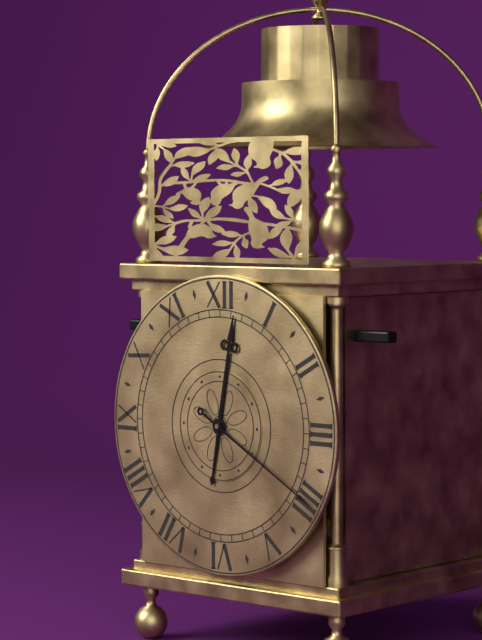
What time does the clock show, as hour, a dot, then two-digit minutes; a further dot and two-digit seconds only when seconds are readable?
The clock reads 12.20
